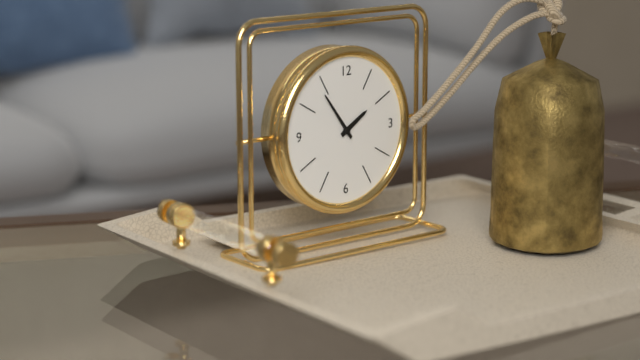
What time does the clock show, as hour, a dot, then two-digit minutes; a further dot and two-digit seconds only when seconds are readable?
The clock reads 1.54
